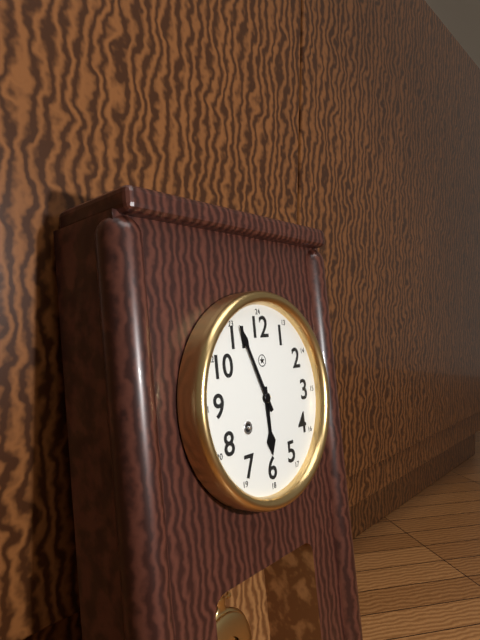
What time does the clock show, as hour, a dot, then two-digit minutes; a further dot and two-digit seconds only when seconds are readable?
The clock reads 5.56
